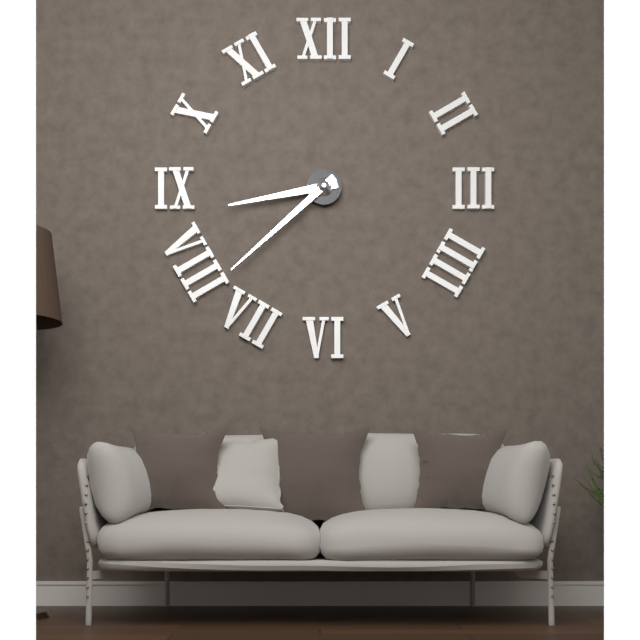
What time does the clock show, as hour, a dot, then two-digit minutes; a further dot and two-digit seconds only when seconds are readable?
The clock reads 8.38
